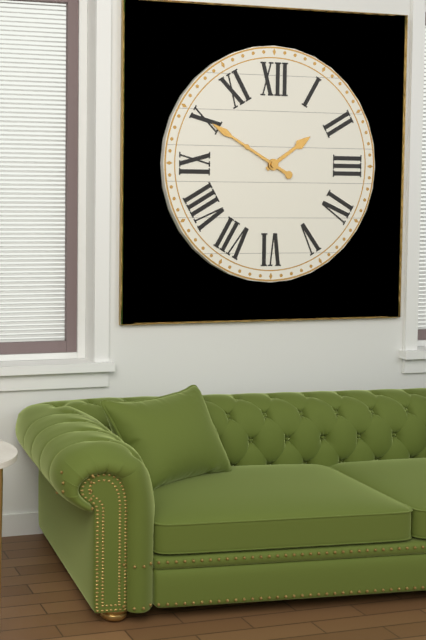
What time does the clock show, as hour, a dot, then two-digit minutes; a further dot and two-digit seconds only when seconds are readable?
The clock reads 1.50
